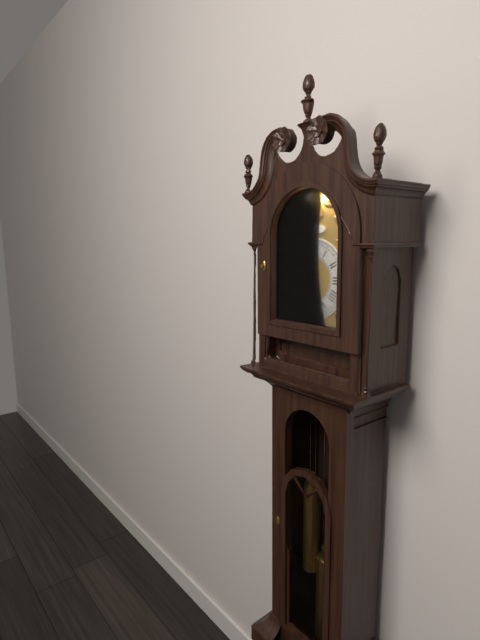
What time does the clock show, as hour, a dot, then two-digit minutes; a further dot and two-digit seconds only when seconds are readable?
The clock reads 11.30
